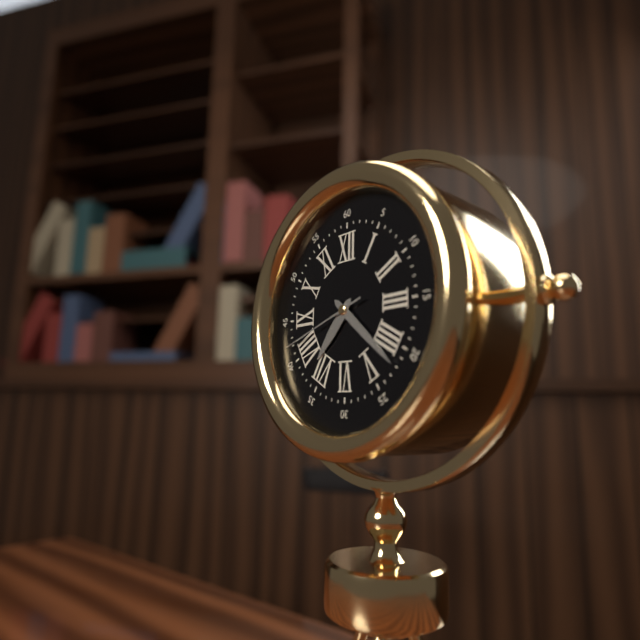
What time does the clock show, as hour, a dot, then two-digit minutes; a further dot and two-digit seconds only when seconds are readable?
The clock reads 7.22.42
